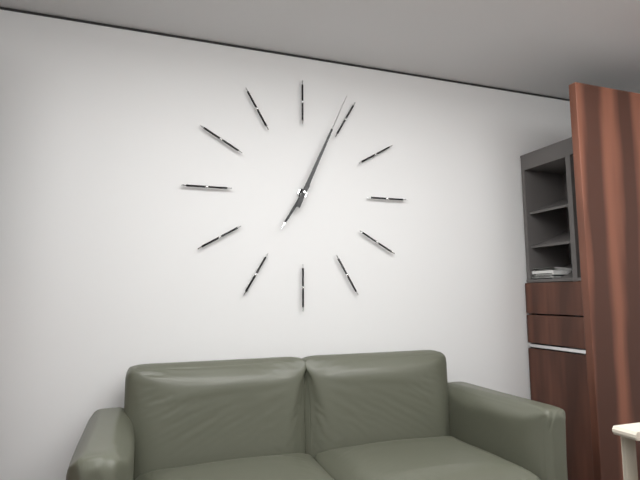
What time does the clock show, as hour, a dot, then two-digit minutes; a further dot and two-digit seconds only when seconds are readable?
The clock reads 7.04
